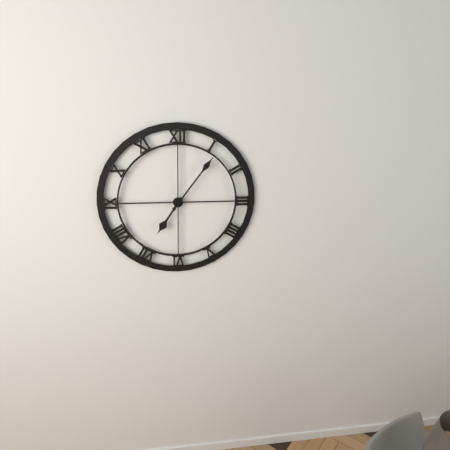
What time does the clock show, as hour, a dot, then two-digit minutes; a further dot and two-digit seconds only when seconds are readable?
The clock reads 7.06
